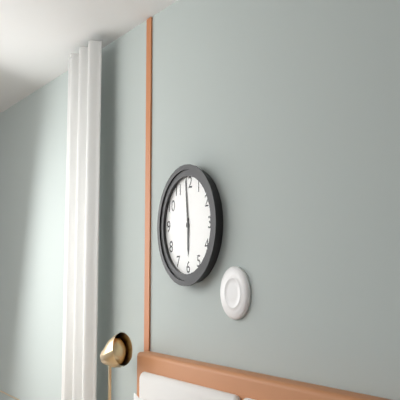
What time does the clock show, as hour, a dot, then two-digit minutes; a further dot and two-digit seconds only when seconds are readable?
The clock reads 5.59
